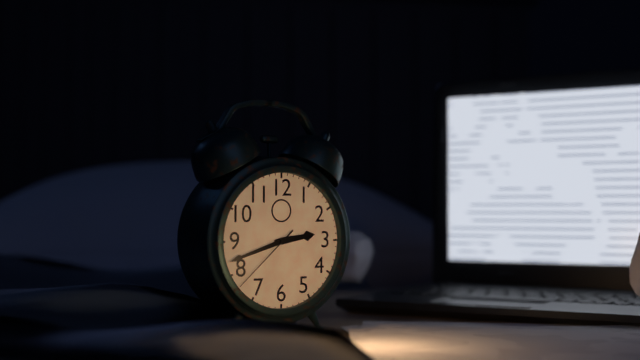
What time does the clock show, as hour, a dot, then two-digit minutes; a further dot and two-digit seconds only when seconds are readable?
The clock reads 2.42.38
